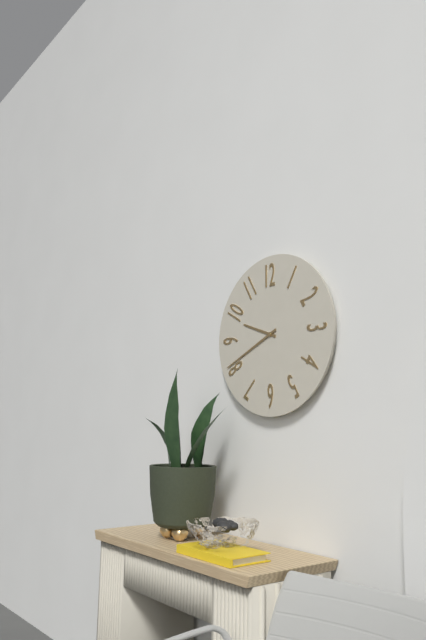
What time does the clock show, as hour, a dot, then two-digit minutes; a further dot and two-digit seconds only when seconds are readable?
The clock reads 9.41
